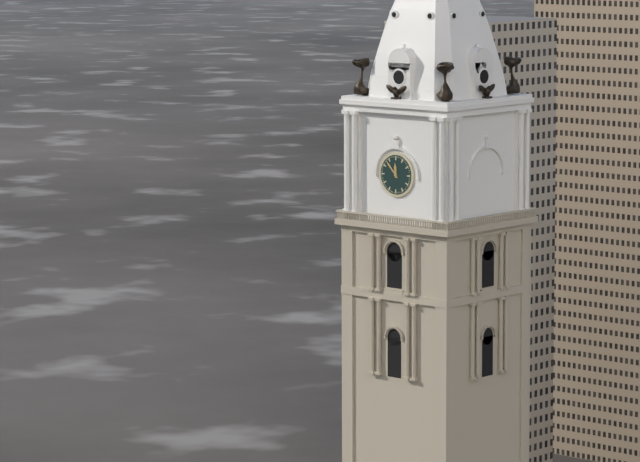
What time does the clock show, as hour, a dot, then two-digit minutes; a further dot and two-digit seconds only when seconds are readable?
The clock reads 11.53
